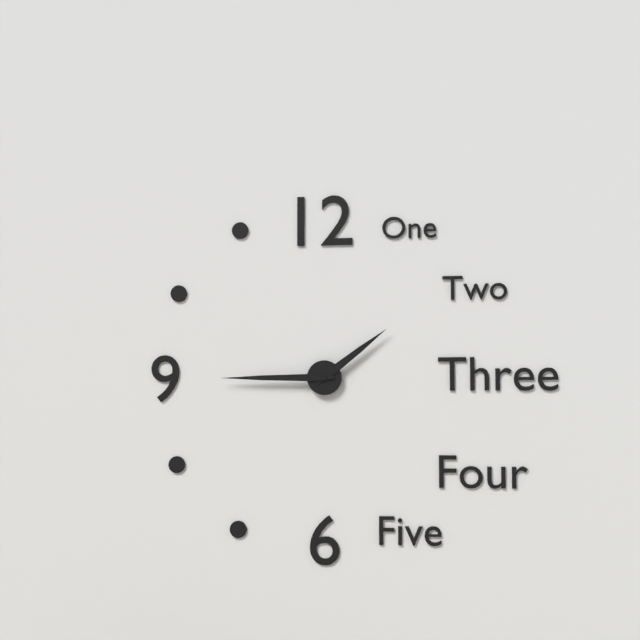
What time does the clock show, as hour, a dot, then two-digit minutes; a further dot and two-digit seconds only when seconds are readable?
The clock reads 1.45
